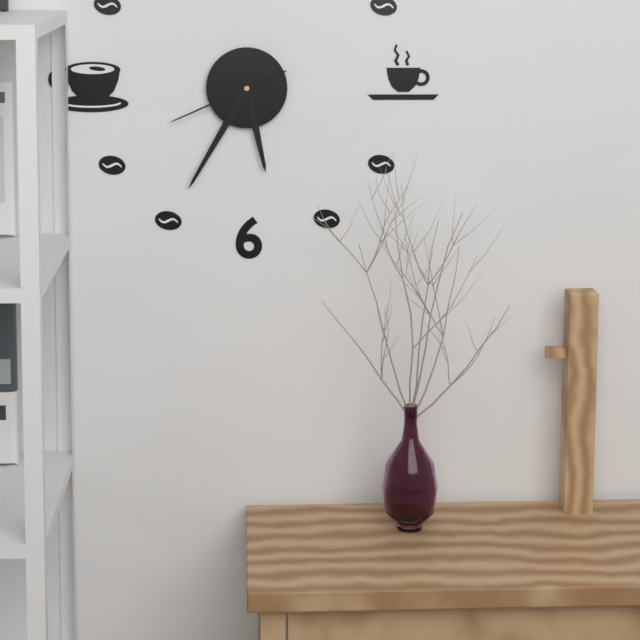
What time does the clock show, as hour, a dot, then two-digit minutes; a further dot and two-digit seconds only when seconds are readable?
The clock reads 5.35.41
